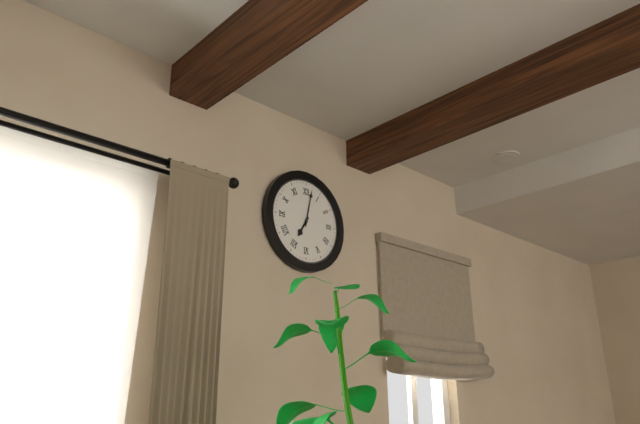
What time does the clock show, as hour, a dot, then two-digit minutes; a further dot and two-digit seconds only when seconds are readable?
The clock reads 7.02
